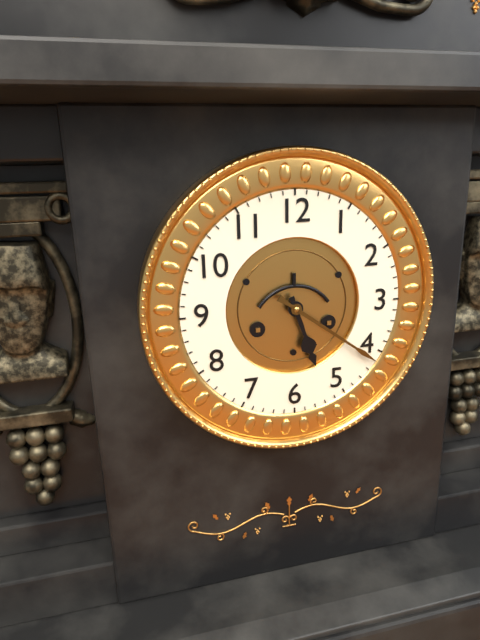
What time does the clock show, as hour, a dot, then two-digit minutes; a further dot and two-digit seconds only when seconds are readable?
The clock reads 5.21
